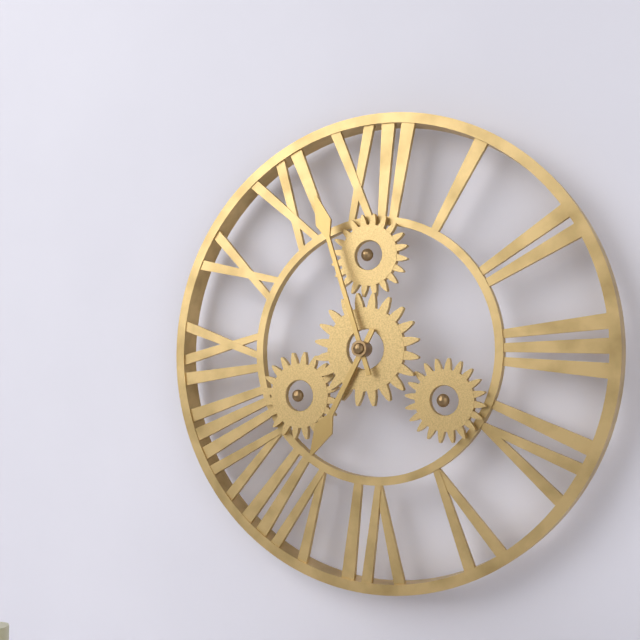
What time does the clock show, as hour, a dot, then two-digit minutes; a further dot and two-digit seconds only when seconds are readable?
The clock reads 6.57
